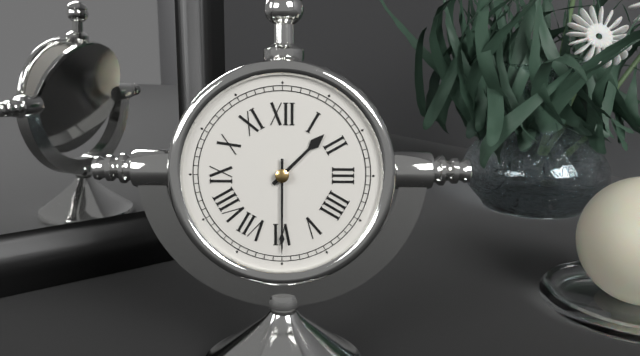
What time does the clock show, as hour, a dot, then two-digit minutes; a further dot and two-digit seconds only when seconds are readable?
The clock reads 1.30
